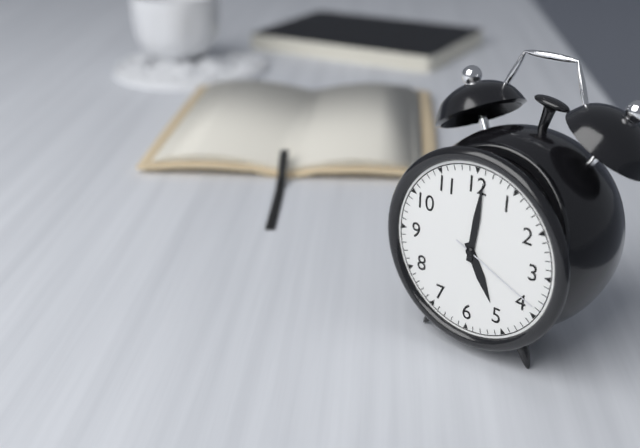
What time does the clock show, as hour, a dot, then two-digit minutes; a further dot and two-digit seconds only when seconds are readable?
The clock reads 5.01.19
